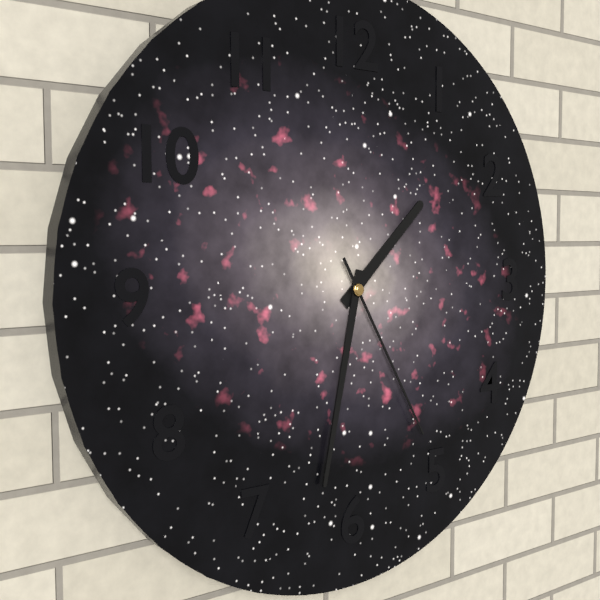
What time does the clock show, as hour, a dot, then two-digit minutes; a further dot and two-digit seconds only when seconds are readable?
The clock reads 1.32.25
